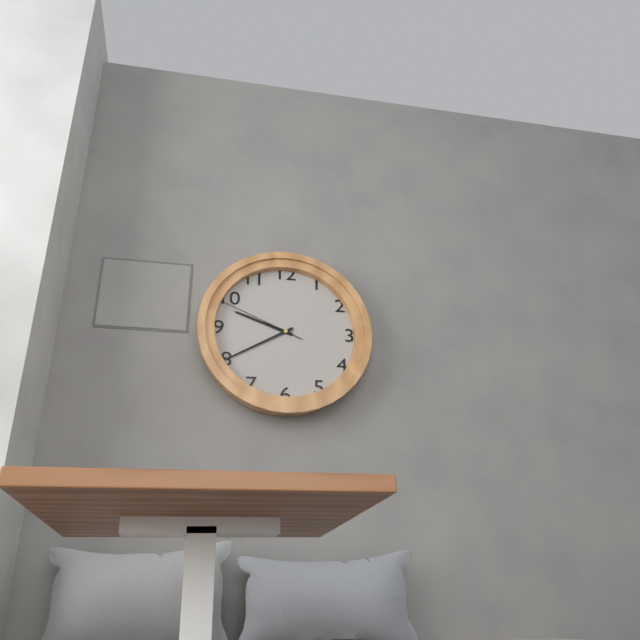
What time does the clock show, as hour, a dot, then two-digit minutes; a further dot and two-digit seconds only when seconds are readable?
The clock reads 9.40.49
